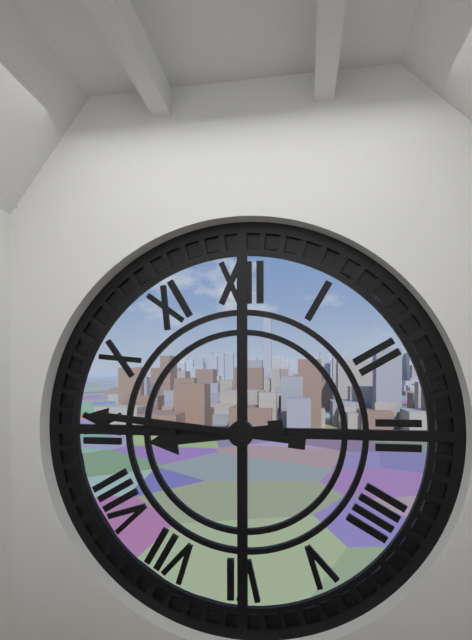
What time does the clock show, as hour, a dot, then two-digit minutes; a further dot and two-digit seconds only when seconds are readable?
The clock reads 8.46
